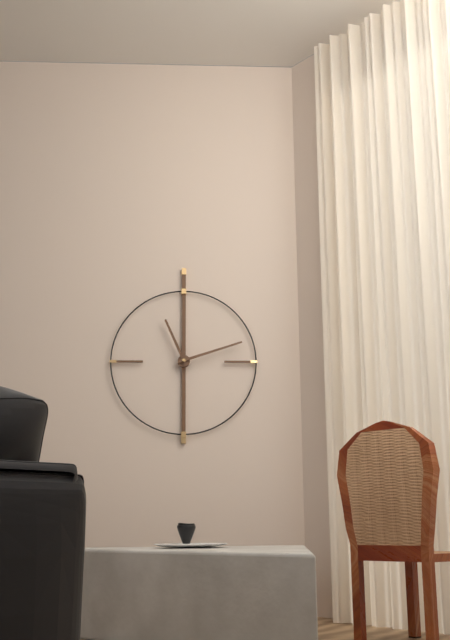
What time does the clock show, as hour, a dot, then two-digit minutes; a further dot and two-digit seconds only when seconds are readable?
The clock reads 11.12
